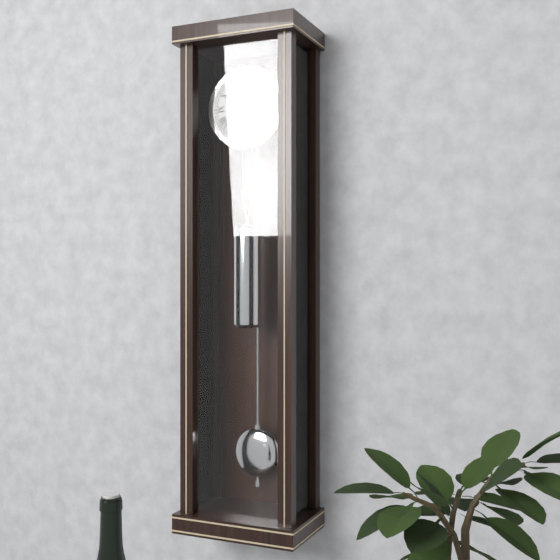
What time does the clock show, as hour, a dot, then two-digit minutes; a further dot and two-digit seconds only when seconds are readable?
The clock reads 3.20
